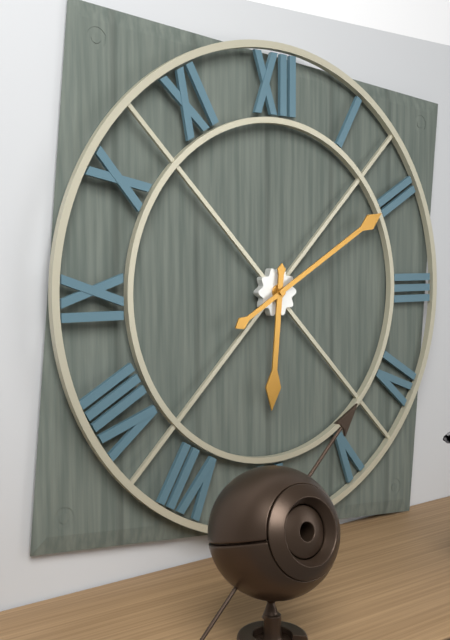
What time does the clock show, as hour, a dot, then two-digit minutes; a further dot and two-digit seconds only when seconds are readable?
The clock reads 6.10
